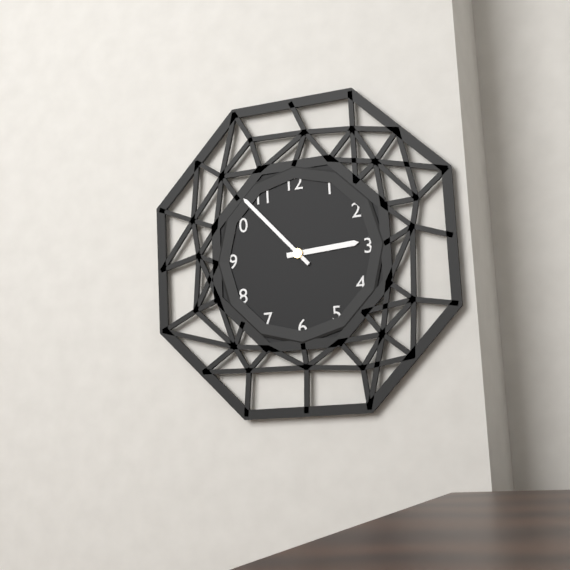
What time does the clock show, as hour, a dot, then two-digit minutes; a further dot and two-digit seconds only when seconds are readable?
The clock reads 2.53
